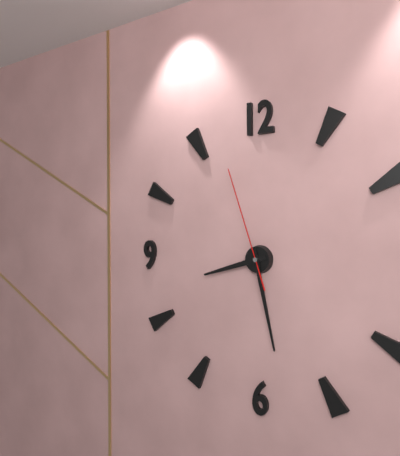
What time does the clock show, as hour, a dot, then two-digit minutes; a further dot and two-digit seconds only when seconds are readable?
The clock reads 8.28.57
